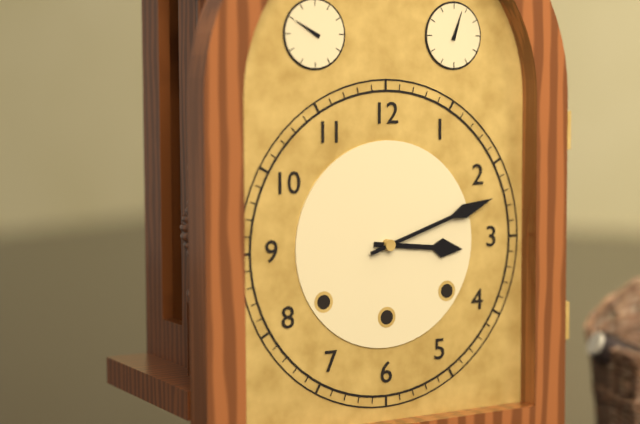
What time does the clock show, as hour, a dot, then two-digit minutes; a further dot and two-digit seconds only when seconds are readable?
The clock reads 3.12
